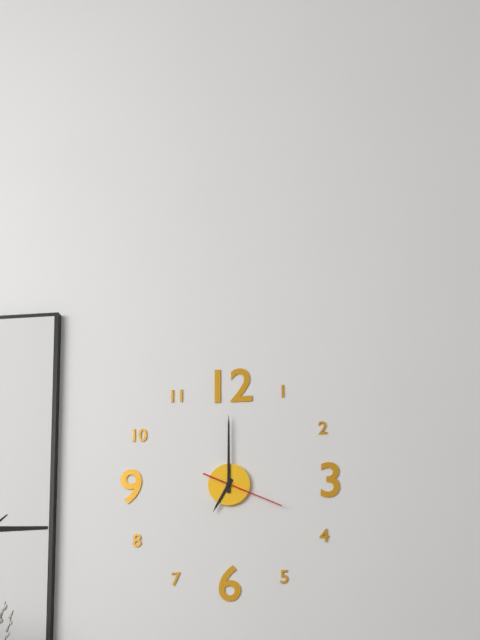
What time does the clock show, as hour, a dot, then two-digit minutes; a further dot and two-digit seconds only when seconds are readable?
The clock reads 7.00.19
